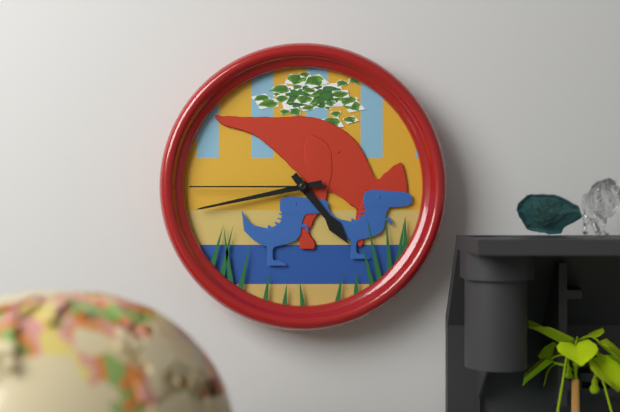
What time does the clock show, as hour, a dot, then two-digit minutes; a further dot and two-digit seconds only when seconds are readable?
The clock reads 4.43.45
